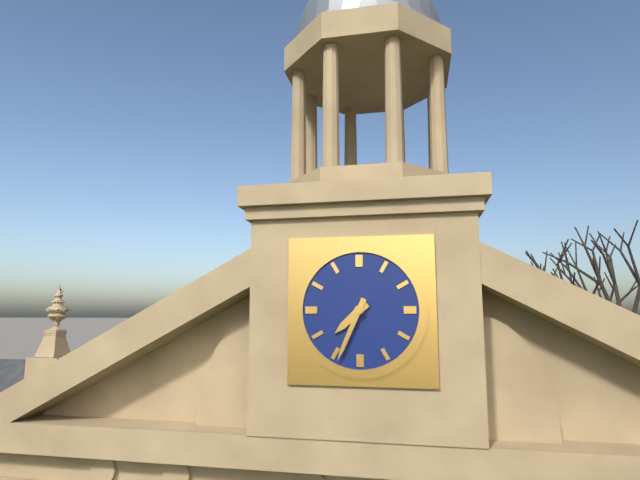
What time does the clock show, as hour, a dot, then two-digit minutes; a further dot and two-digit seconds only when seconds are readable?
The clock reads 7.34
